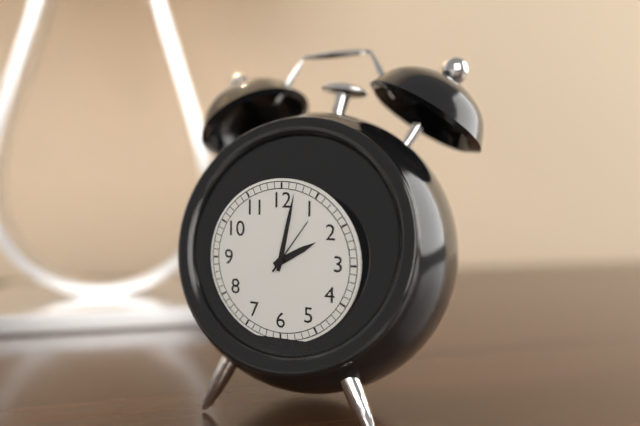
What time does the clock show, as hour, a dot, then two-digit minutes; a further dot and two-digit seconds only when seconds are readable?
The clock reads 2.02.06
